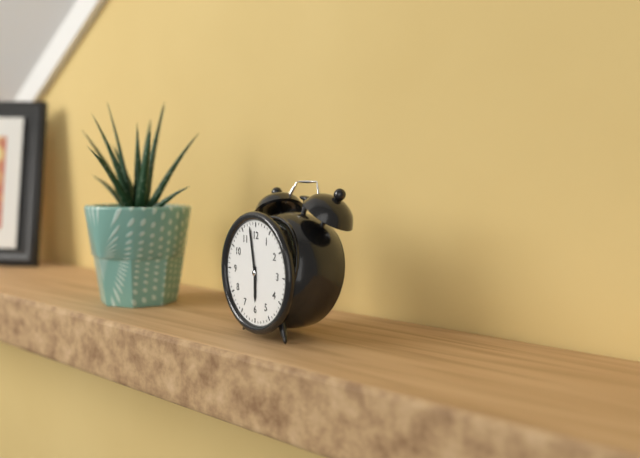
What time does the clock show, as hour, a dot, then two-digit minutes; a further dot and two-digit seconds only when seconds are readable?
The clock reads 5.58
